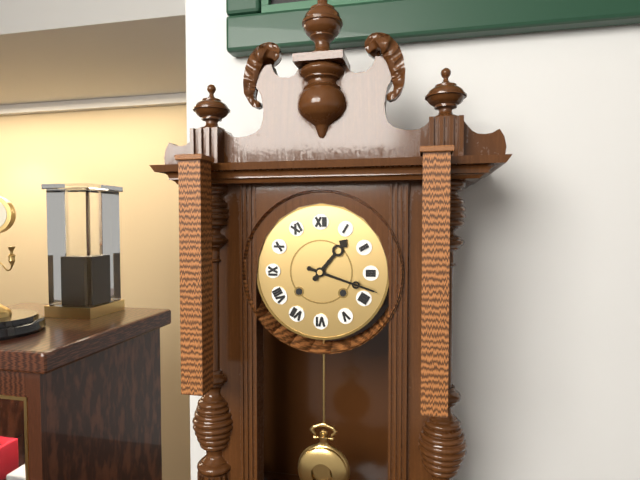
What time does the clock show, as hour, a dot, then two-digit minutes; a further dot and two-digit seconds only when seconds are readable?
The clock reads 1.18
